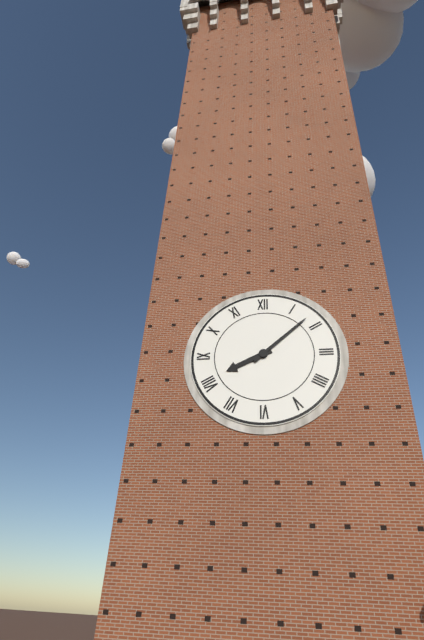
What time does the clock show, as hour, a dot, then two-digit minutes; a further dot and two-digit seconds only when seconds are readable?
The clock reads 8.08
